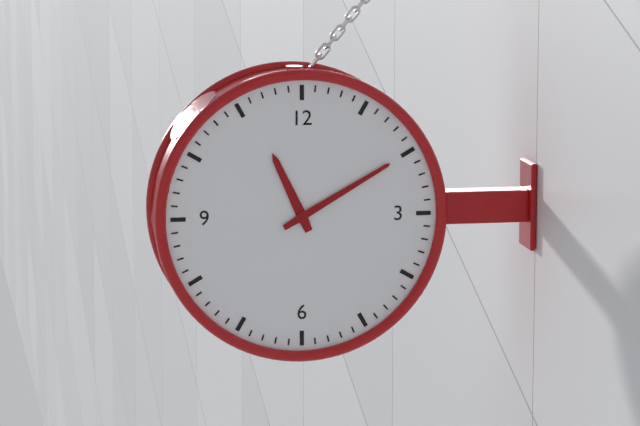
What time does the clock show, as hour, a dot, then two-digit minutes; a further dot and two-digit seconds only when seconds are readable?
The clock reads 11.10
